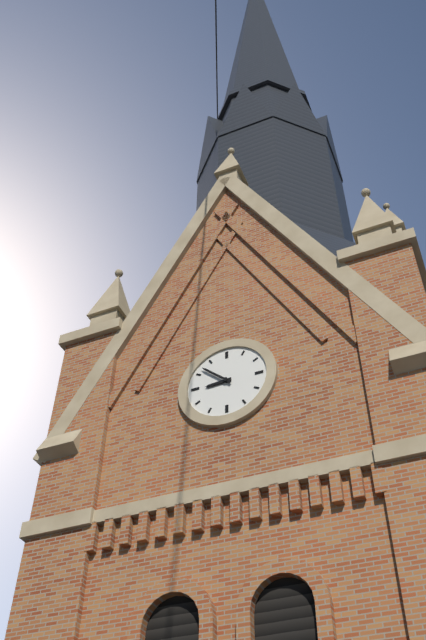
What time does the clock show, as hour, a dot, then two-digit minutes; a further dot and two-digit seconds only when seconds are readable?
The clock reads 8.52
